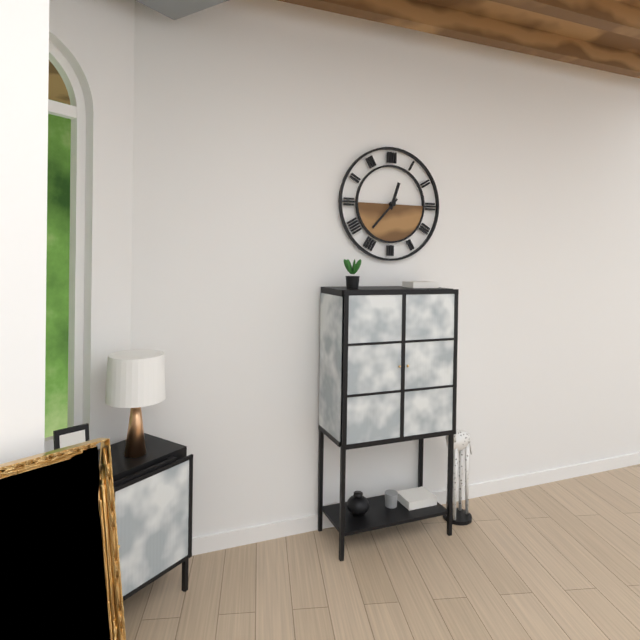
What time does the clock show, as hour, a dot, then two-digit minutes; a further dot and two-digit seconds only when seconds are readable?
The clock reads 12.37
